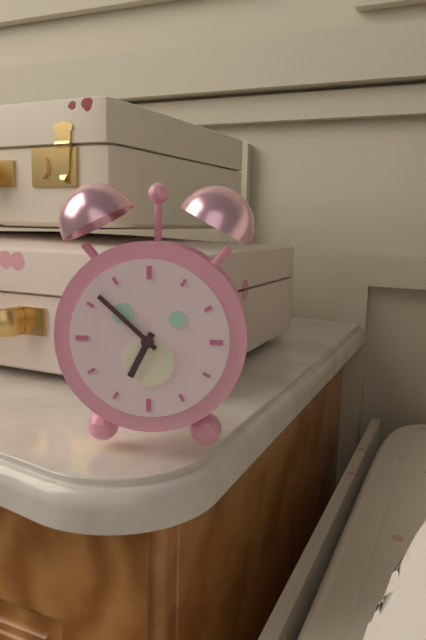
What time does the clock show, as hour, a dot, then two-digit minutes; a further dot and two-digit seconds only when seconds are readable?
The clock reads 6.52
